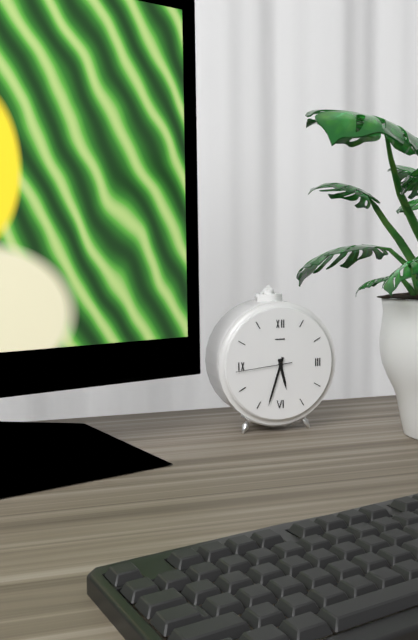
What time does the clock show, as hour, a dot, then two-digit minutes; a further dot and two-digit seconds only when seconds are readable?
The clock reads 5.33.44
